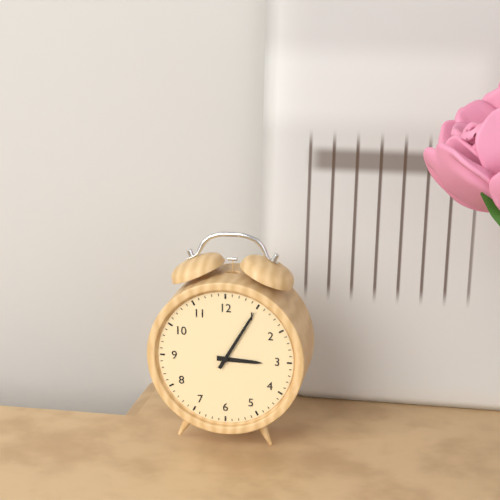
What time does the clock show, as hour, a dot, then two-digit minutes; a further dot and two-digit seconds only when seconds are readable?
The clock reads 3.05
